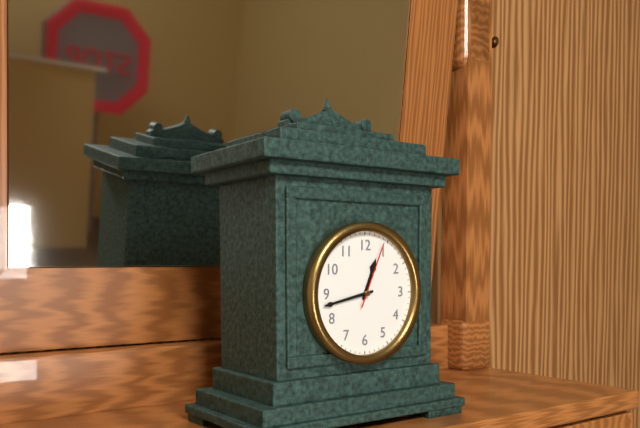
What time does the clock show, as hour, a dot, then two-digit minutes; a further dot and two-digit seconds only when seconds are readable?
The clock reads 12.43.04
